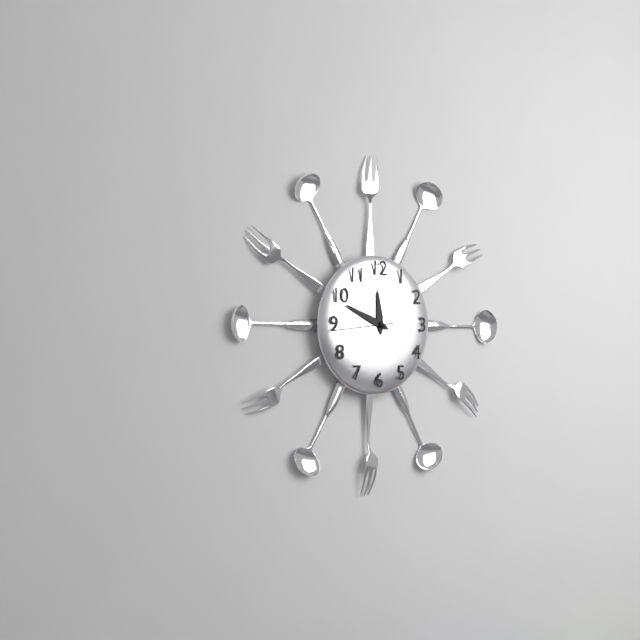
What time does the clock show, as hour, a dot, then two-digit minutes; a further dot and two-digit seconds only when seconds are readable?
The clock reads 11.49.44
